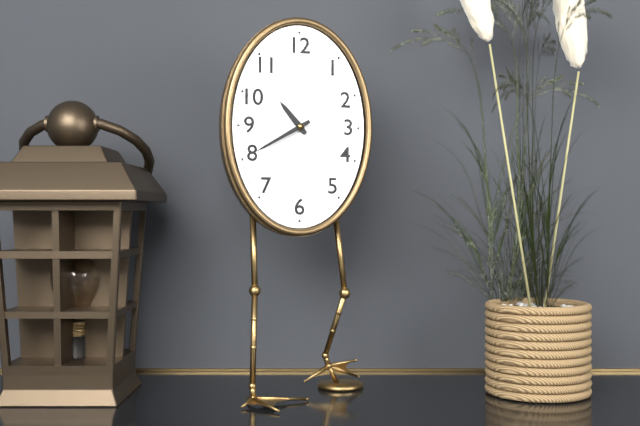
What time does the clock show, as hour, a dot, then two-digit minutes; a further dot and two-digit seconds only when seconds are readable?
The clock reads 10.40
